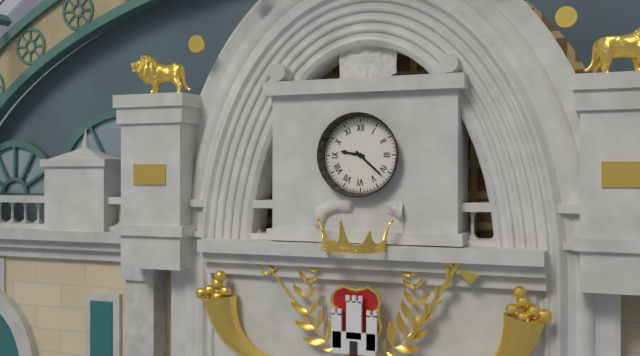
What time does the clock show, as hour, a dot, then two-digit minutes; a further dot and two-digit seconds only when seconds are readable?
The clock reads 9.22
